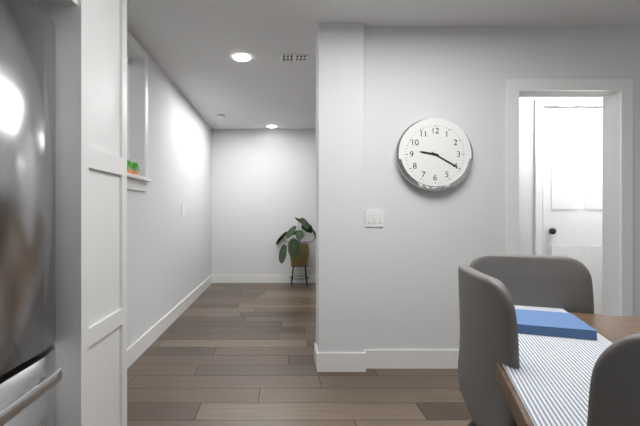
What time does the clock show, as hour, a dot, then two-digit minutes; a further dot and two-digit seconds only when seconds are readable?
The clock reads 9.20
